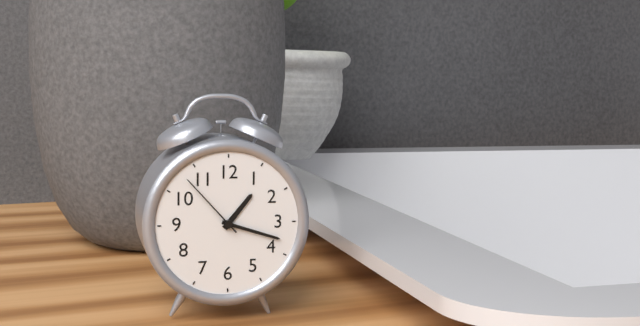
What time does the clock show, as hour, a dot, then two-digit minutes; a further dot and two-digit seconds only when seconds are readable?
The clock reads 1.18.53
